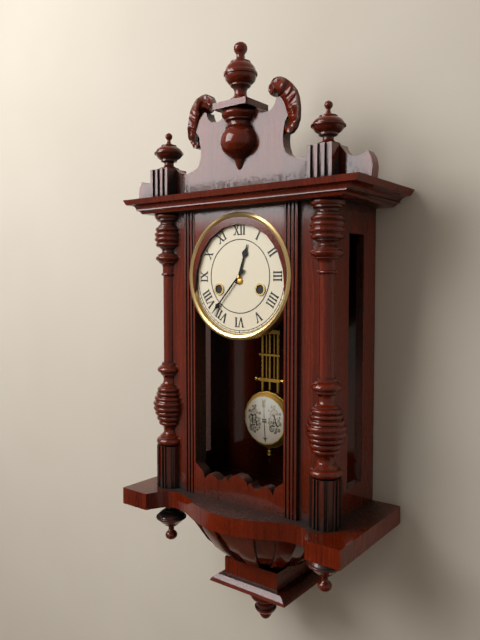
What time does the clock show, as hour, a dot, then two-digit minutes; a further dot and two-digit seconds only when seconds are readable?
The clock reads 12.37
